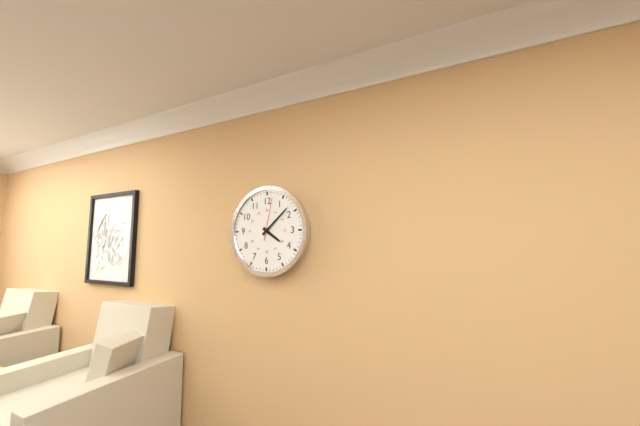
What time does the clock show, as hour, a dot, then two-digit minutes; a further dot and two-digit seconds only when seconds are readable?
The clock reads 4.08
